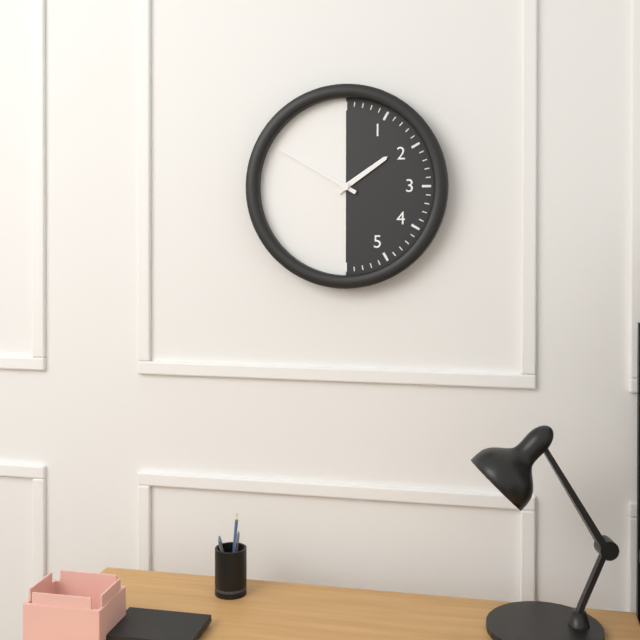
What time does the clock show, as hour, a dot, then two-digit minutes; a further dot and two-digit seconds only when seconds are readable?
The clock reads 1.50
